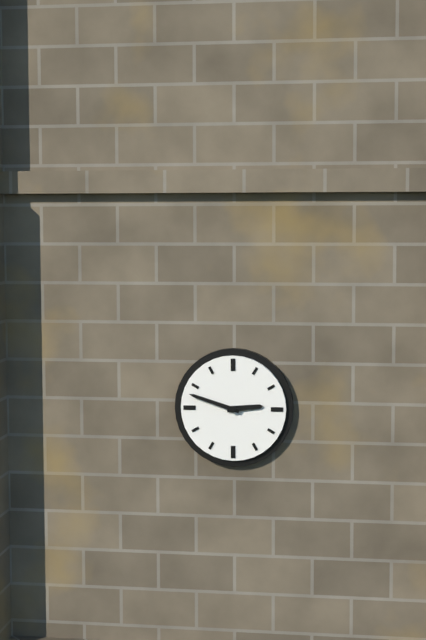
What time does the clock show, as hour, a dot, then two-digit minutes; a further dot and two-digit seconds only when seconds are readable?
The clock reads 2.48
